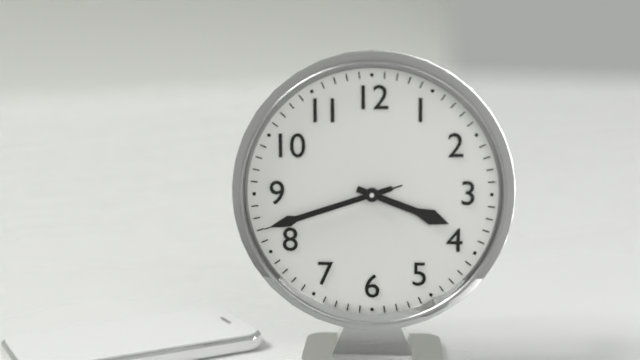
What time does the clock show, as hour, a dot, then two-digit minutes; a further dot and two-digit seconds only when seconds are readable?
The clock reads 3.42.42
